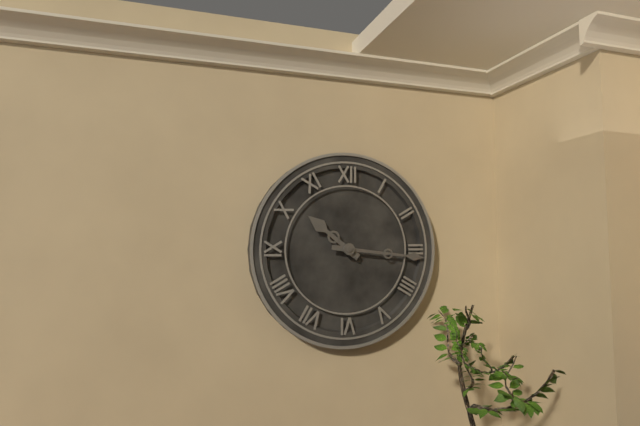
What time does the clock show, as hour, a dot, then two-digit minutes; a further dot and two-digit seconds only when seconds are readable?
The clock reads 10.16
